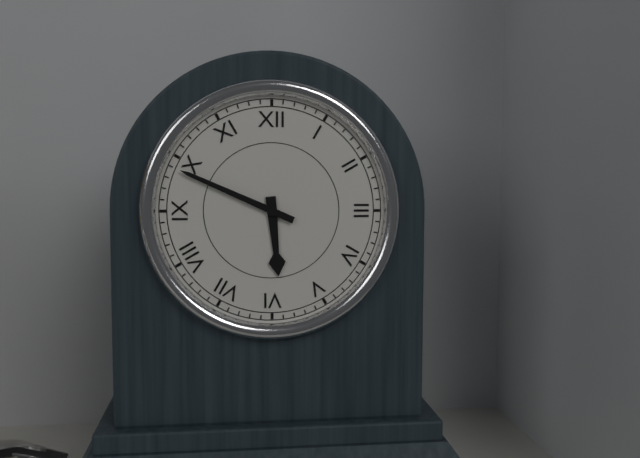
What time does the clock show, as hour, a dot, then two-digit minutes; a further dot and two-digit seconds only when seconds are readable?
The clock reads 5.49
